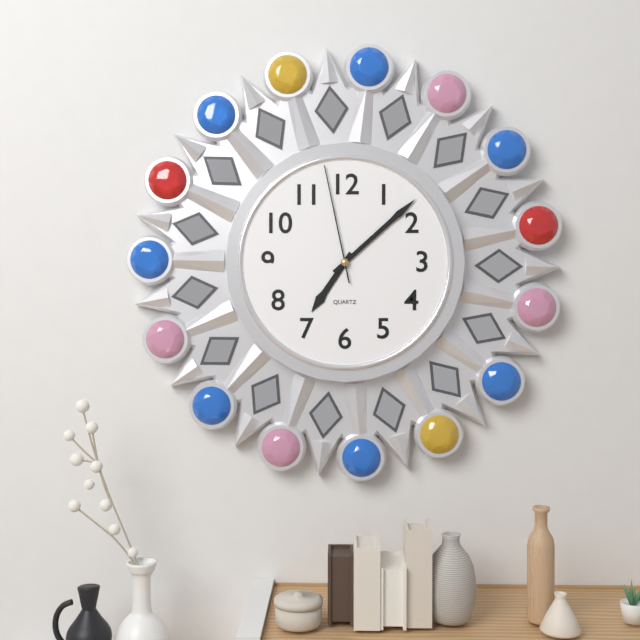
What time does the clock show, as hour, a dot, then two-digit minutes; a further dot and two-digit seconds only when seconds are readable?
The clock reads 7.08.58
